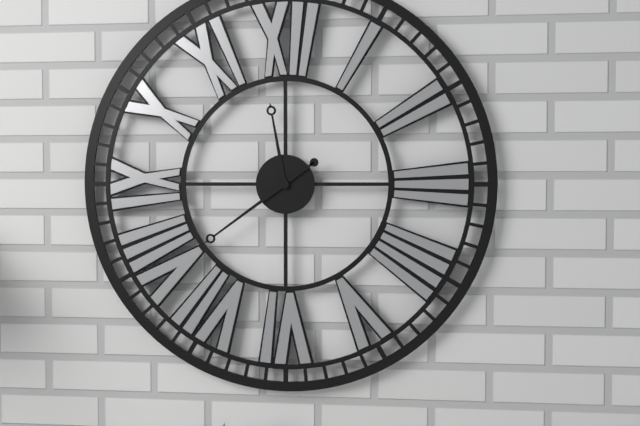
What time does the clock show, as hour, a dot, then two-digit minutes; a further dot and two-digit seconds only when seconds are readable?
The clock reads 11.39
